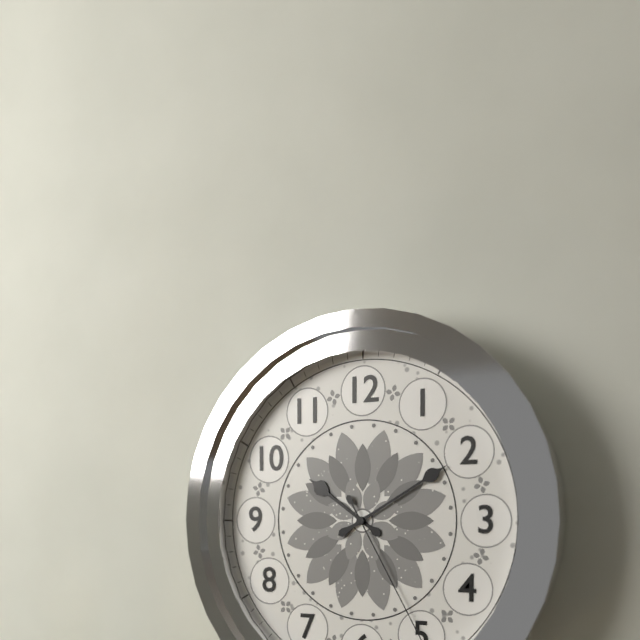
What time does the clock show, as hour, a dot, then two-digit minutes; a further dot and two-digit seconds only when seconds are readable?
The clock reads 10.10
